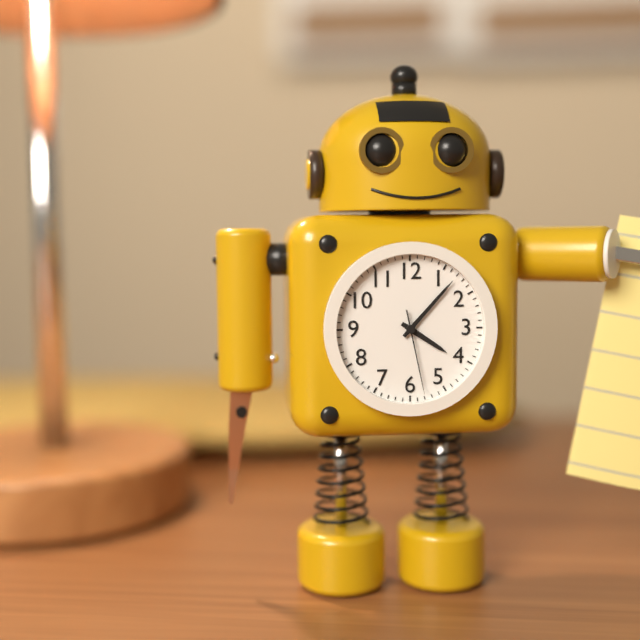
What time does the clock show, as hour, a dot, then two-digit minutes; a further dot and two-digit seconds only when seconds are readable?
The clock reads 4.07.28
